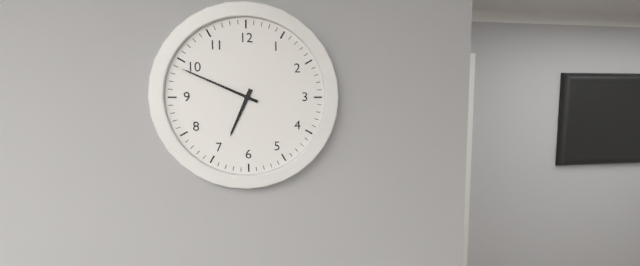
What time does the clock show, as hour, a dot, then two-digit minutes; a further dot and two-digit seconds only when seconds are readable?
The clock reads 6.49
